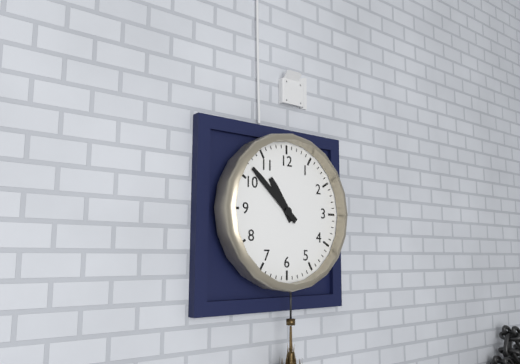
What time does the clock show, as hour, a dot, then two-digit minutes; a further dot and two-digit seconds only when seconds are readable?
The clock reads 10.52
